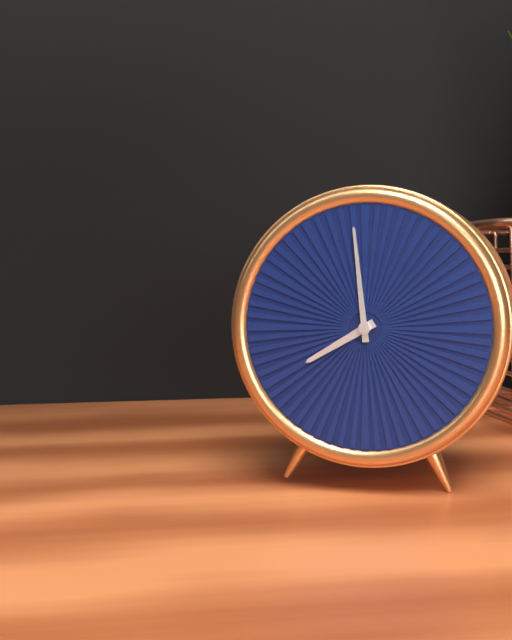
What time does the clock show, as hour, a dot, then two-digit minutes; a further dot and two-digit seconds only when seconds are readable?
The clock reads 7.59
